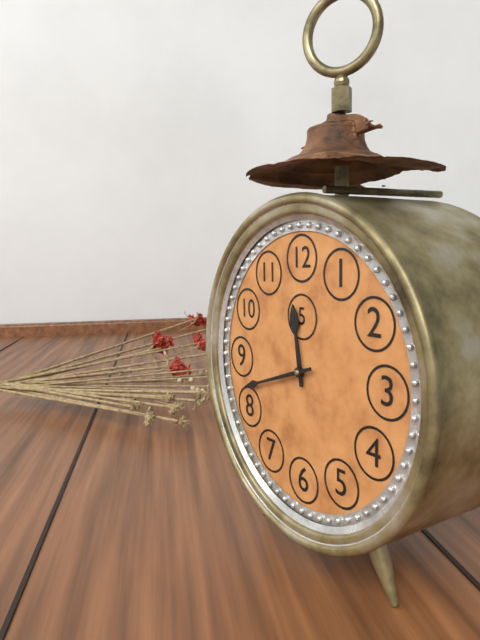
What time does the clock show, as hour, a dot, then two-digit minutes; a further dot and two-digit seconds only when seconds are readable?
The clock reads 11.42
